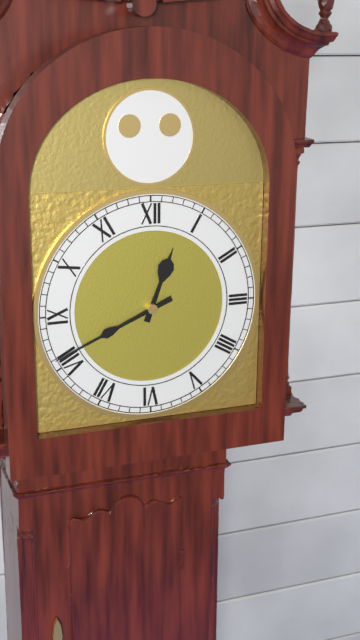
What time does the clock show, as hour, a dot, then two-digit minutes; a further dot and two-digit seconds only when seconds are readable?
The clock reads 12.41
